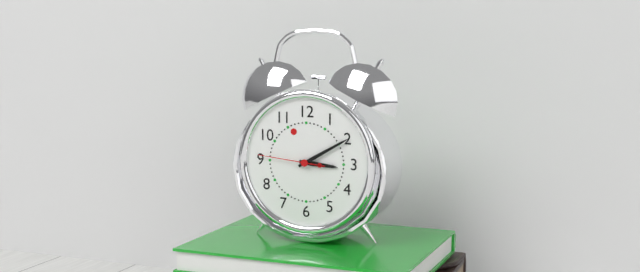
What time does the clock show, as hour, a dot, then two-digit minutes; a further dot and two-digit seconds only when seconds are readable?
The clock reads 3.10.46
